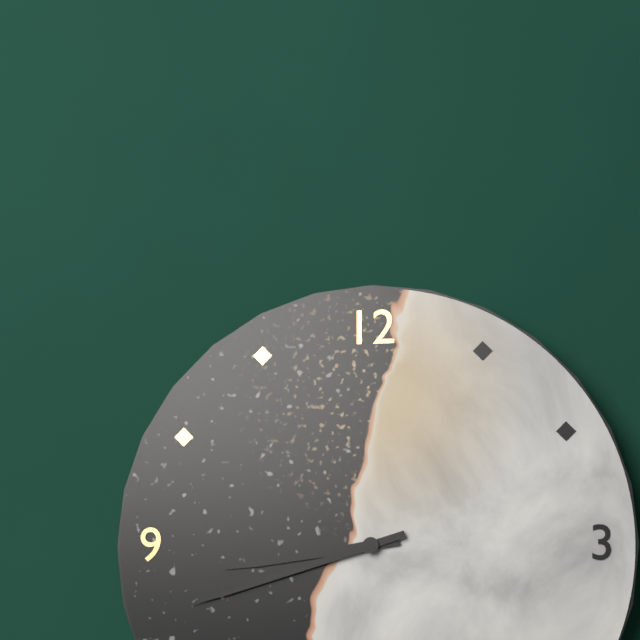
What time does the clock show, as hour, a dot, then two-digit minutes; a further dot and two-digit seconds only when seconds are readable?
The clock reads 8.42
